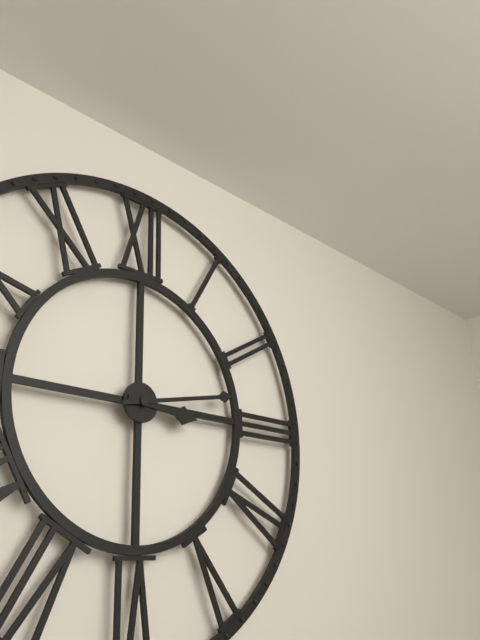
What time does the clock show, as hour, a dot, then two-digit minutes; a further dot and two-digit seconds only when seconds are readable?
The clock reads 3.13
